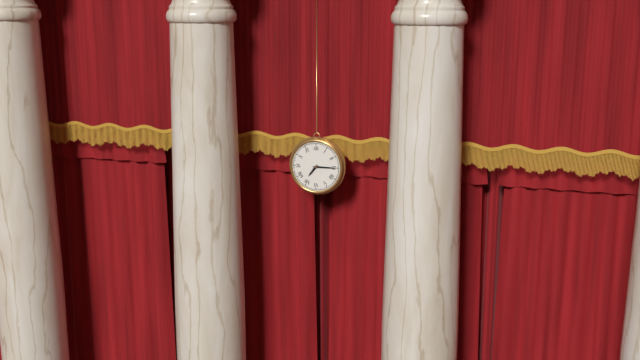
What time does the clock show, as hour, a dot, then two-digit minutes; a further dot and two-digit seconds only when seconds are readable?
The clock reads 7.15
